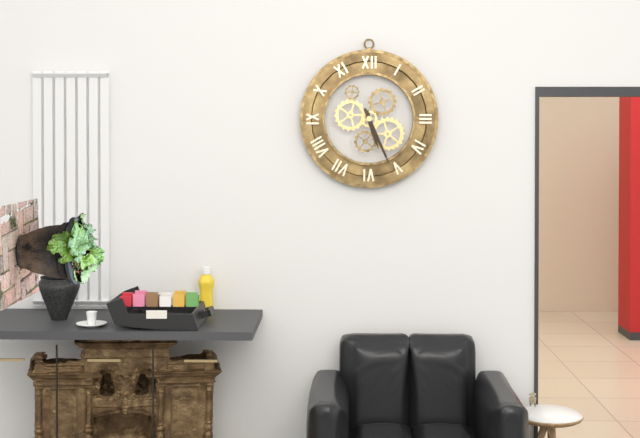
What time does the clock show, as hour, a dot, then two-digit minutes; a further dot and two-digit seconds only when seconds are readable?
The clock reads 5.26
